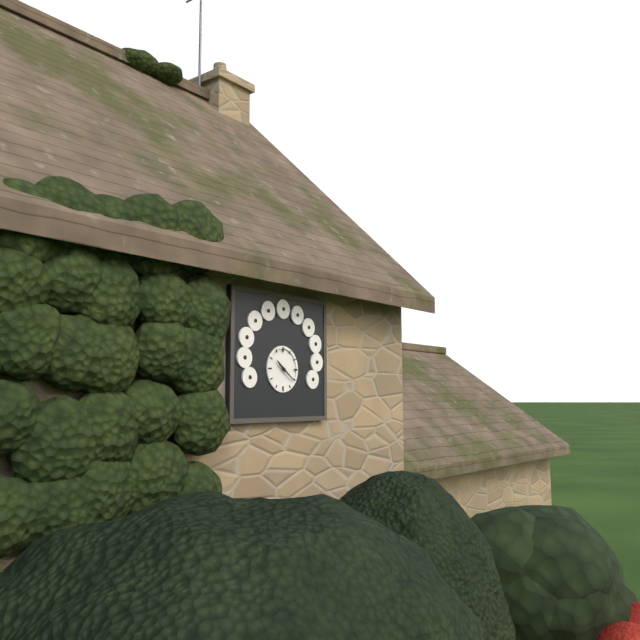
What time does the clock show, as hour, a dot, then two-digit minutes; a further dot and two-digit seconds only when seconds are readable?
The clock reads 10.21
